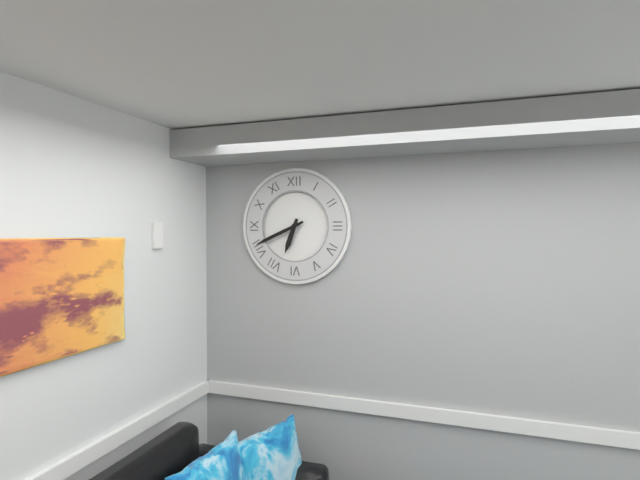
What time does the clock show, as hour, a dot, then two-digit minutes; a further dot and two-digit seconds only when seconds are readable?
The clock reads 6.41
